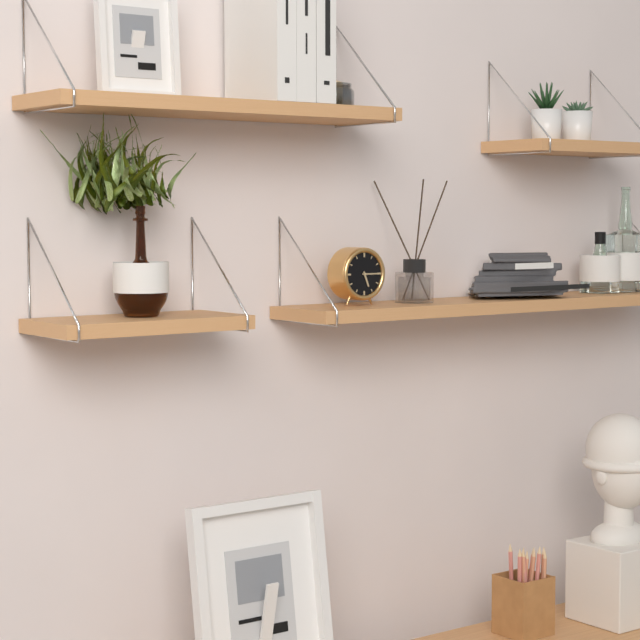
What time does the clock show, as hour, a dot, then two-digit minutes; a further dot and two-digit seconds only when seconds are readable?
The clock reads 5.15
